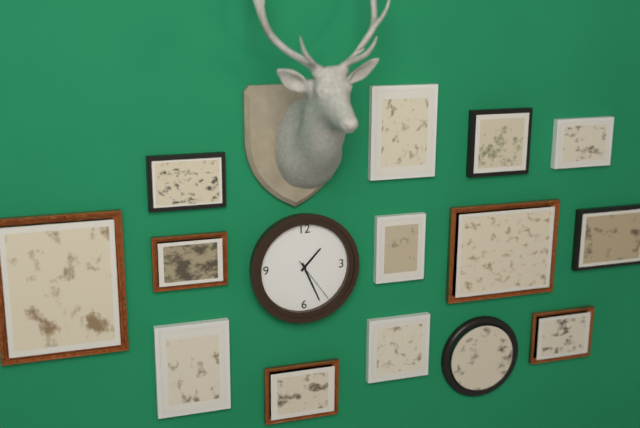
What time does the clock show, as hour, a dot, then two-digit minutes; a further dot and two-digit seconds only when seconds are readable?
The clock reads 1.26
